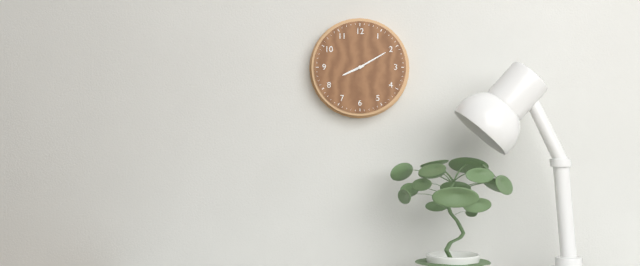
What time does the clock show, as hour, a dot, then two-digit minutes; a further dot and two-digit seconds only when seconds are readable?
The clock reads 8.10
